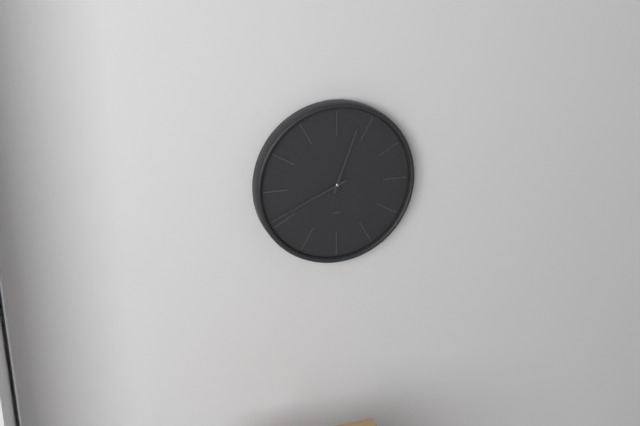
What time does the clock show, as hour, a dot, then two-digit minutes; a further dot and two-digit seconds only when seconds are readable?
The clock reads 12.41
